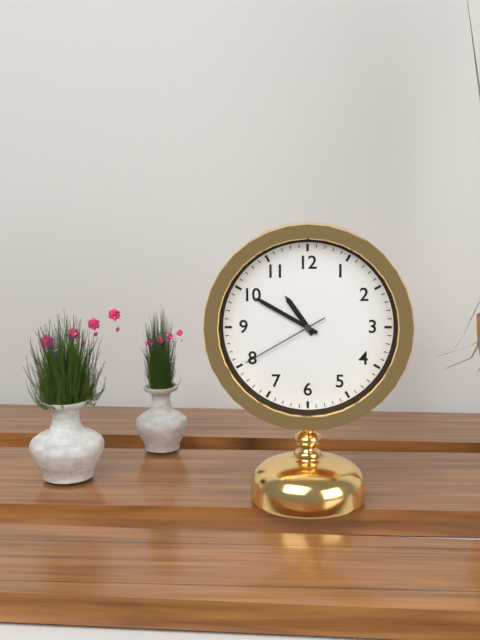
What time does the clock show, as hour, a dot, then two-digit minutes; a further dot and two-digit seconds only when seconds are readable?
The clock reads 10.50.40
